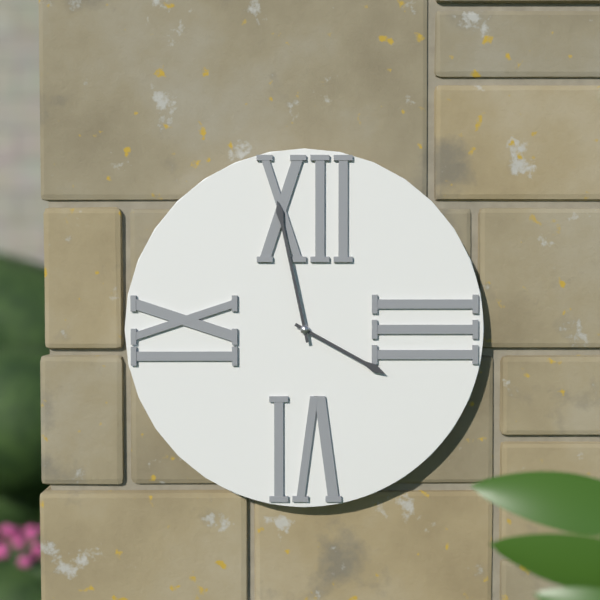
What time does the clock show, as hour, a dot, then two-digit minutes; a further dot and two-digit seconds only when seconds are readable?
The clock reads 3.58
